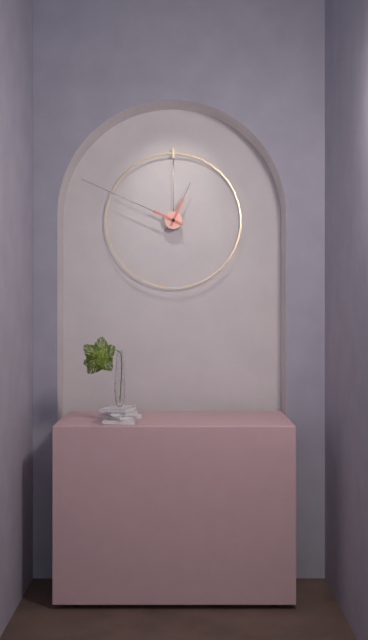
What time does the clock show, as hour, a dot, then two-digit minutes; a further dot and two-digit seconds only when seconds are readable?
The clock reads 12.49
